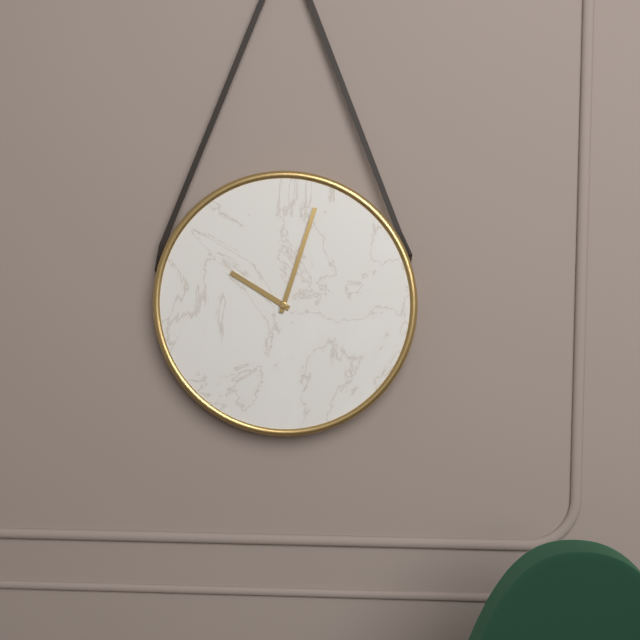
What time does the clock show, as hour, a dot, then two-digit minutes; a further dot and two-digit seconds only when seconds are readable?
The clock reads 10.03
